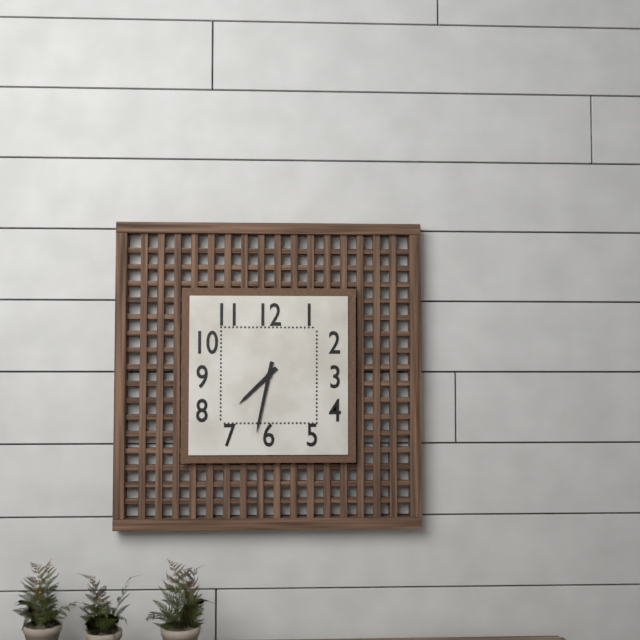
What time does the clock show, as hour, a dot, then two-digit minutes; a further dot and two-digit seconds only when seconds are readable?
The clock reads 7.32
